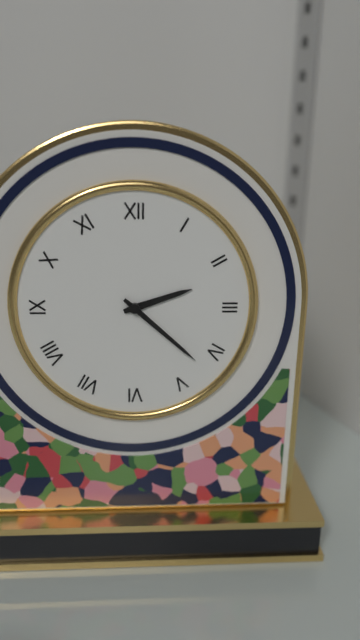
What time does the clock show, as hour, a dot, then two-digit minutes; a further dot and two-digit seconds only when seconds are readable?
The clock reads 2.22
